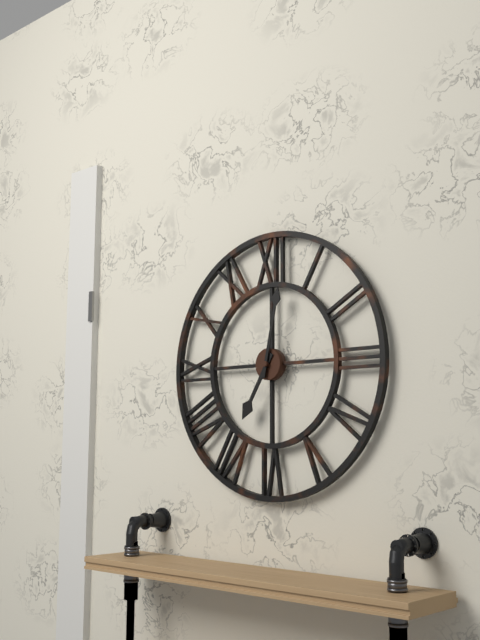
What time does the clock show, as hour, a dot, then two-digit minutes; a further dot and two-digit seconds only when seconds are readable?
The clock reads 7.02
